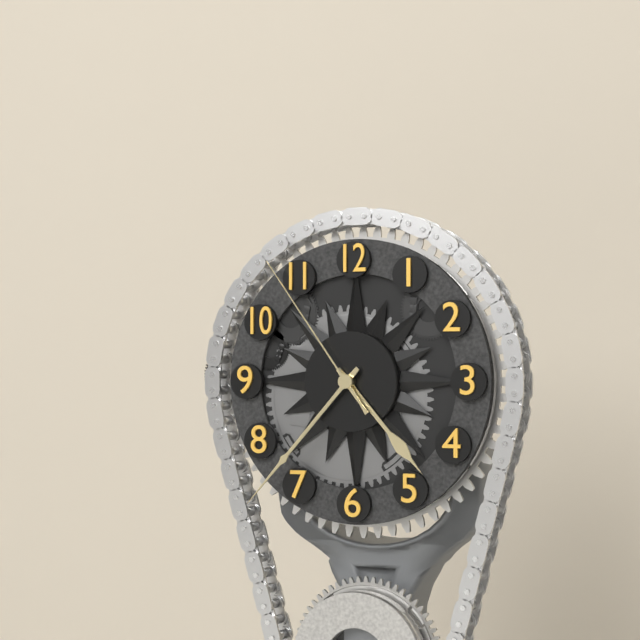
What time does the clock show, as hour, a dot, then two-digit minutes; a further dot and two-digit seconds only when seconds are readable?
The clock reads 4.37.54
